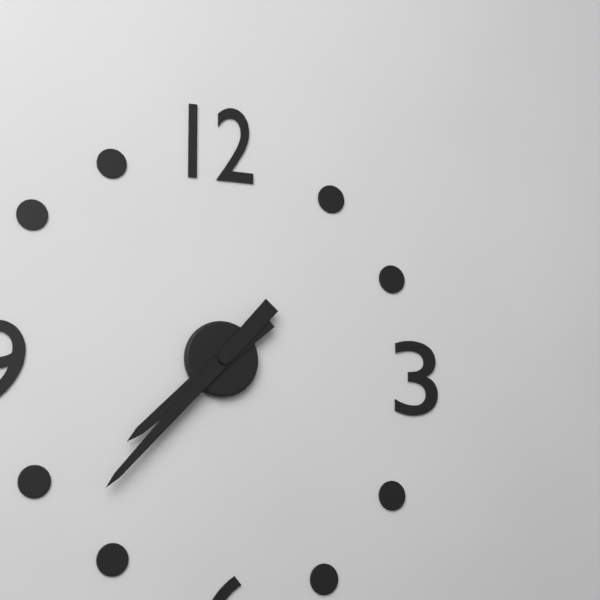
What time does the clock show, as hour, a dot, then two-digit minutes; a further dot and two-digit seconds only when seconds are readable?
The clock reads 7.37
